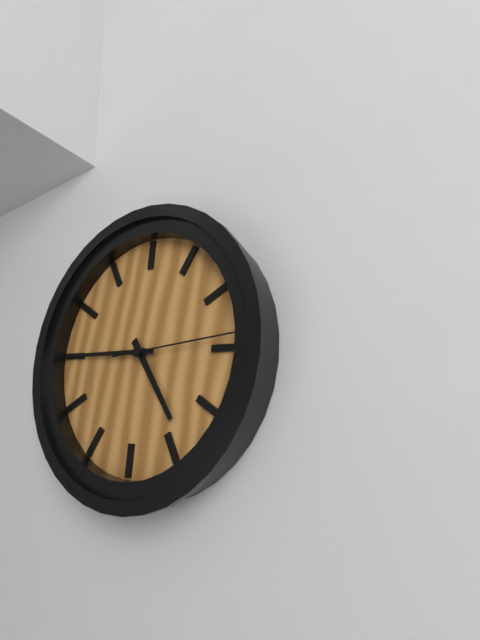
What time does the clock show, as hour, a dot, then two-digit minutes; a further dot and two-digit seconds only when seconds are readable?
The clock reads 4.45.14
